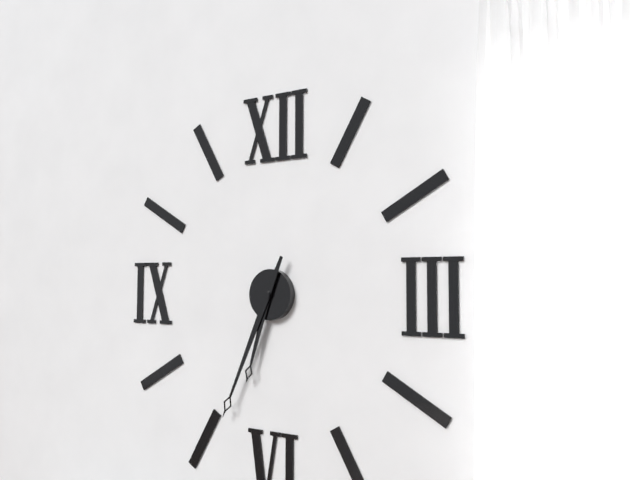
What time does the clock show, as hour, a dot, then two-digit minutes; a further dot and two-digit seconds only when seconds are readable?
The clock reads 6.34
